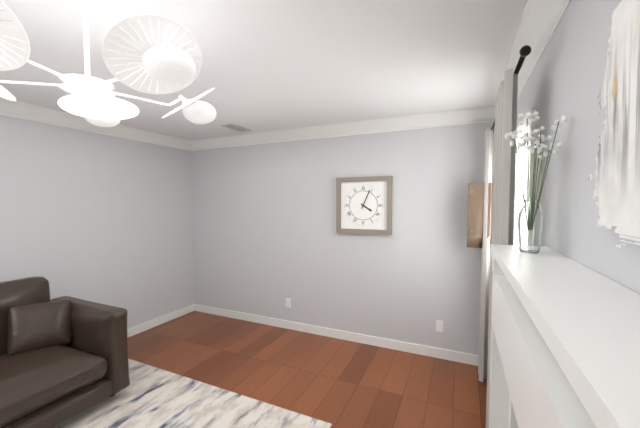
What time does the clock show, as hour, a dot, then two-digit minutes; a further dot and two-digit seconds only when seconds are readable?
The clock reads 4.04
